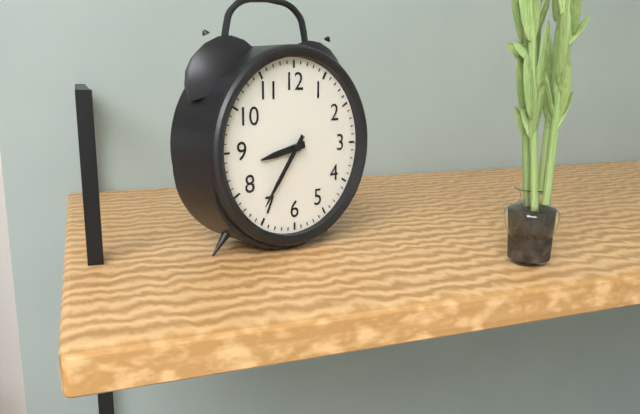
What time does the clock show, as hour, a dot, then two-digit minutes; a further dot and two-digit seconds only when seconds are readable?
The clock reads 8.36
